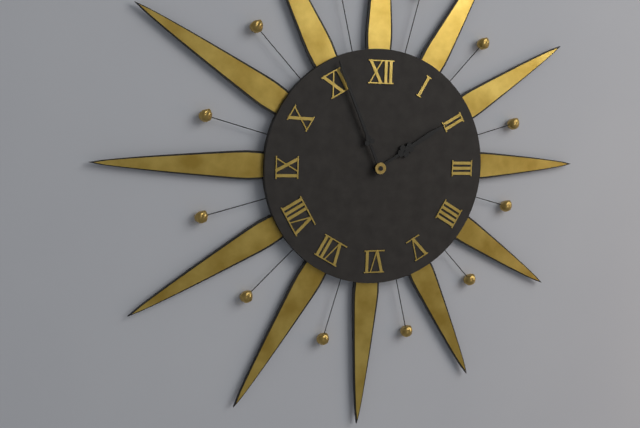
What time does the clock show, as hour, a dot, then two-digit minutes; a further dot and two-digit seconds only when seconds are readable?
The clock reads 1.56
